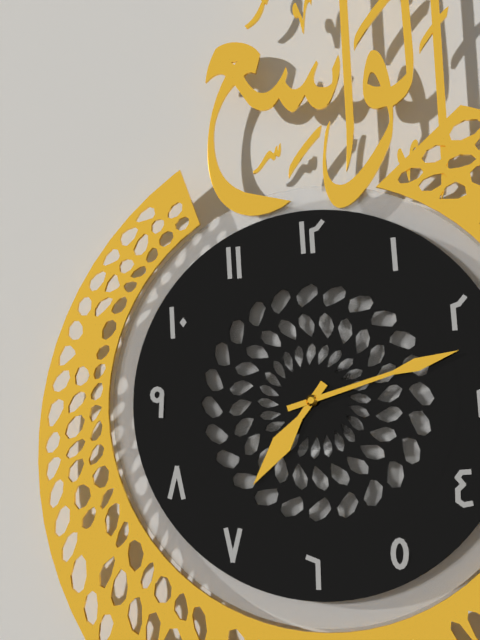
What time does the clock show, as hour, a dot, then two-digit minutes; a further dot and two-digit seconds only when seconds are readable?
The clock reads 7.12
